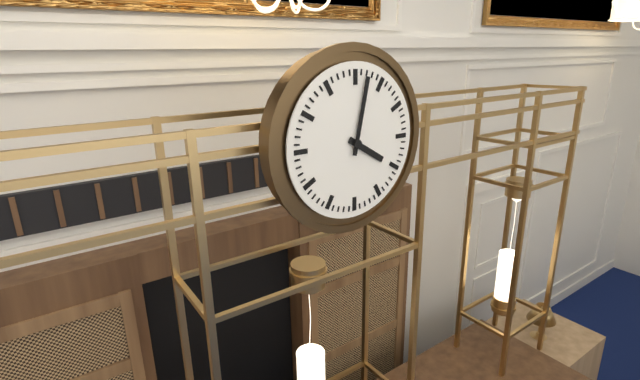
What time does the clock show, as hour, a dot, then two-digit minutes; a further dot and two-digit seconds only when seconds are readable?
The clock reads 4.02
